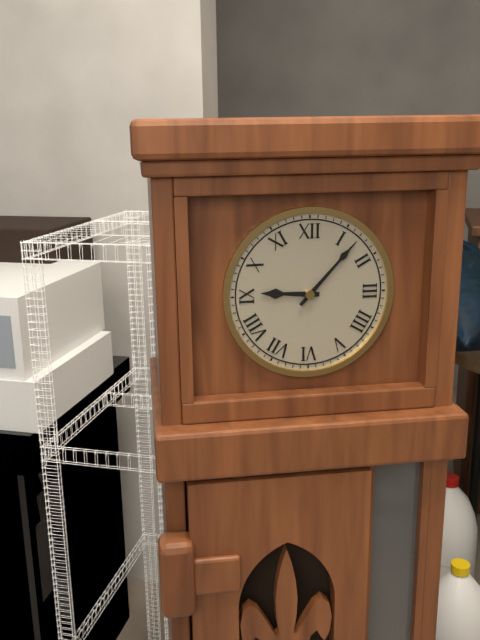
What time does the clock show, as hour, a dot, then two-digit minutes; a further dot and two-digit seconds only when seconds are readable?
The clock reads 9.07
